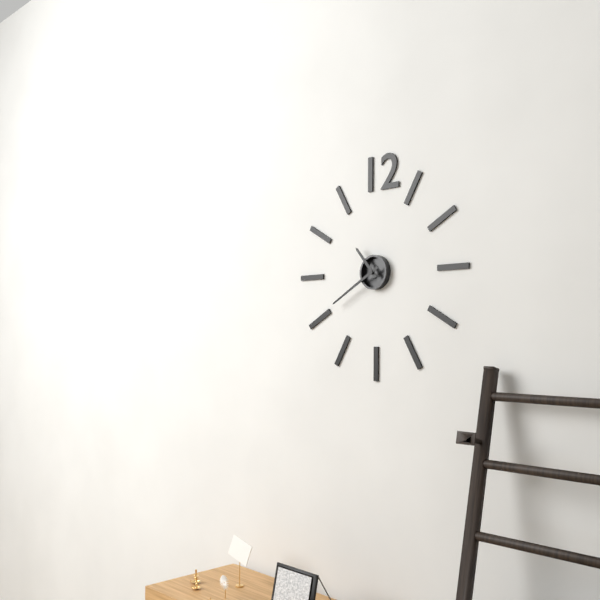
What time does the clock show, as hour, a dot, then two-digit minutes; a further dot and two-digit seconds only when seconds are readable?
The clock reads 10.40
